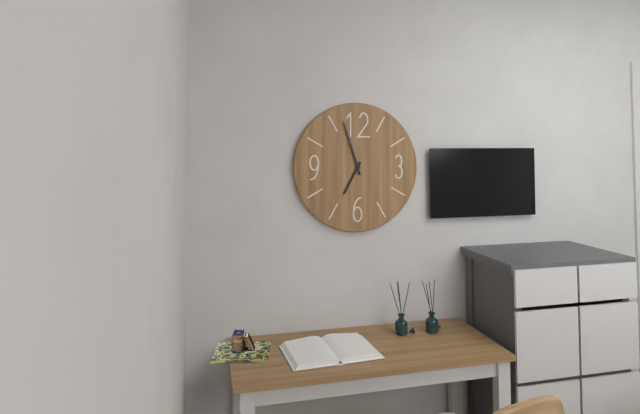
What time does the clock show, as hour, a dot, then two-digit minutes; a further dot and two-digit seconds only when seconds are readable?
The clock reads 6.57
